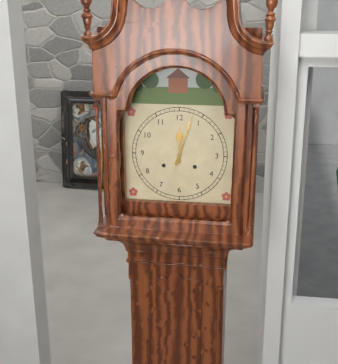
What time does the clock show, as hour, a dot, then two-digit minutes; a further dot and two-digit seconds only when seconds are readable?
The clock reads 12.03
